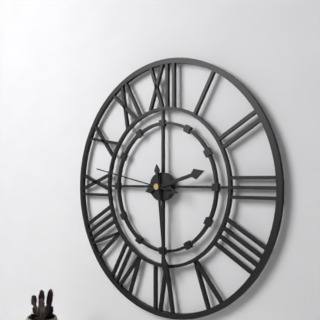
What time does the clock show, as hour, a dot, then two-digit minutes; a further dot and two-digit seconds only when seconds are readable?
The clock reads 2.29.47
